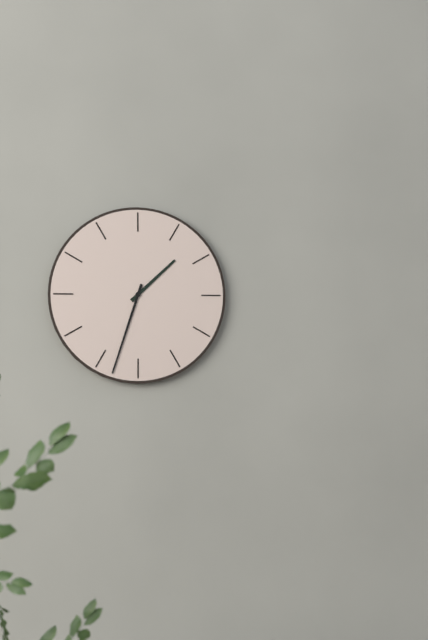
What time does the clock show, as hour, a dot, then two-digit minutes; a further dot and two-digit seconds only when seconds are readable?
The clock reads 1.33
